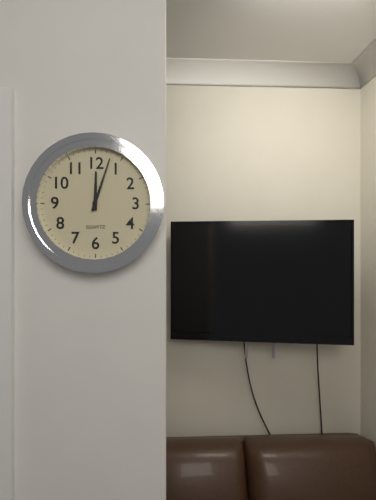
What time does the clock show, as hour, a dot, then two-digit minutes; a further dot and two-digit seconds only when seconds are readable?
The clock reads 12.03
